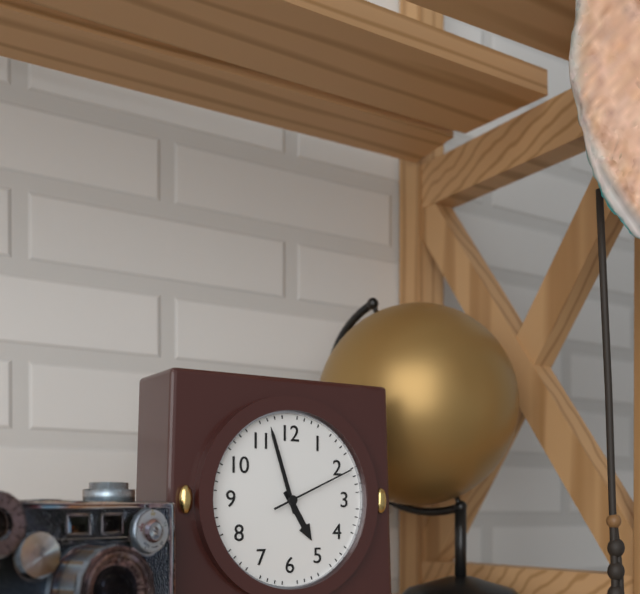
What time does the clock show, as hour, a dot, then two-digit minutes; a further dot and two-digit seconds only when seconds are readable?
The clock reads 4.57.11
